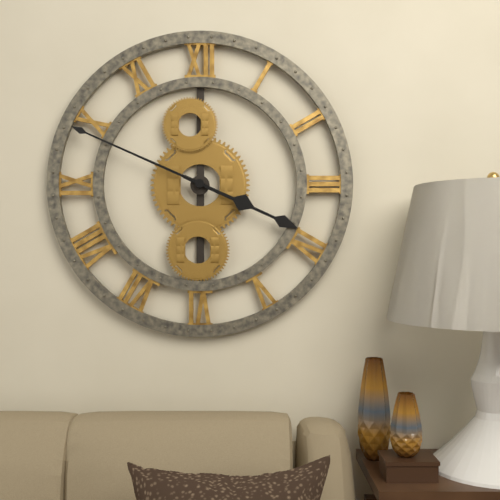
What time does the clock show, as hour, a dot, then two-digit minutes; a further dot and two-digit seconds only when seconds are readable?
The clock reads 3.49
